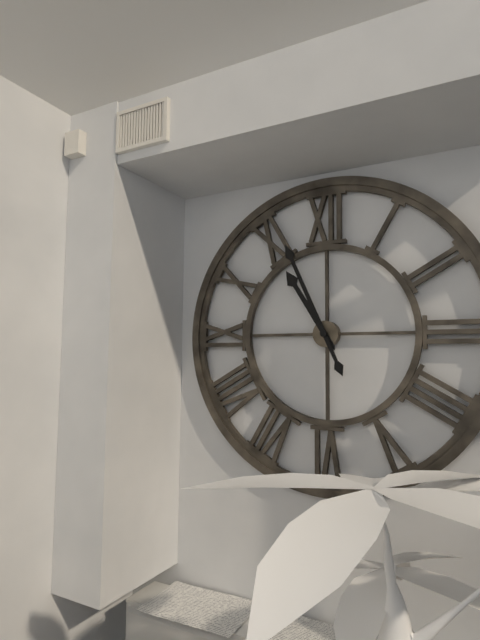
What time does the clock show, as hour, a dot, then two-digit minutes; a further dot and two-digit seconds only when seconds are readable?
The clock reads 10.56
